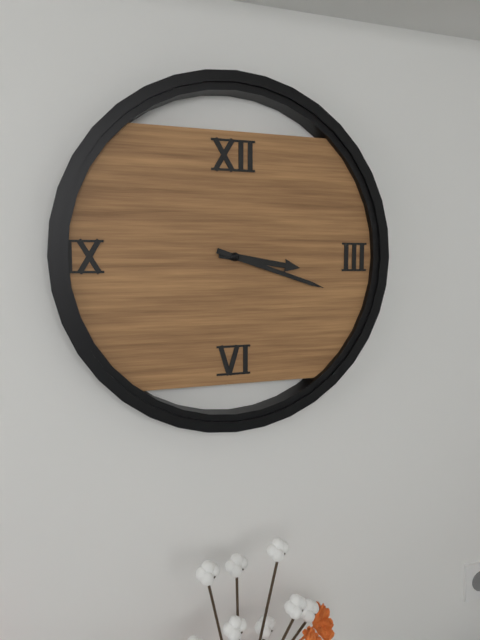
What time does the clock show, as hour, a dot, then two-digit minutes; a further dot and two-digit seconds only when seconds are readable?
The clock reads 3.18
